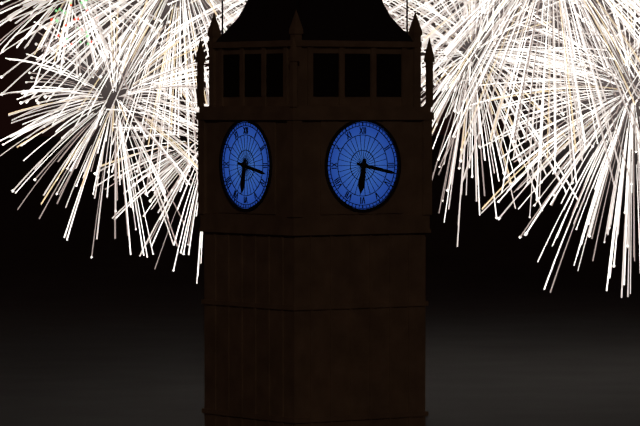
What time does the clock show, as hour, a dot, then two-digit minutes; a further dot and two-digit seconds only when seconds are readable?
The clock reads 6.17
